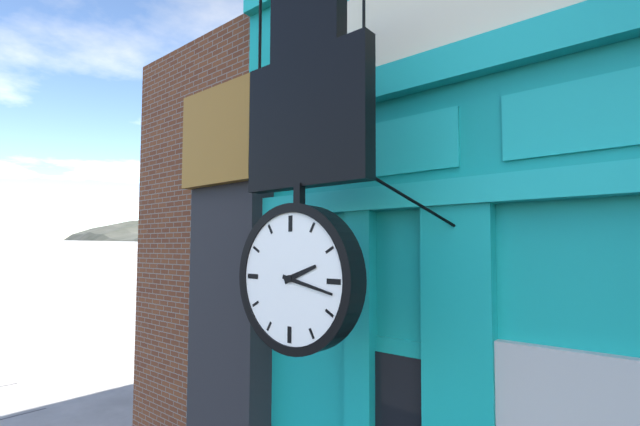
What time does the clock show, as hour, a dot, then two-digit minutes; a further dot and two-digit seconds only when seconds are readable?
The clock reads 2.17
